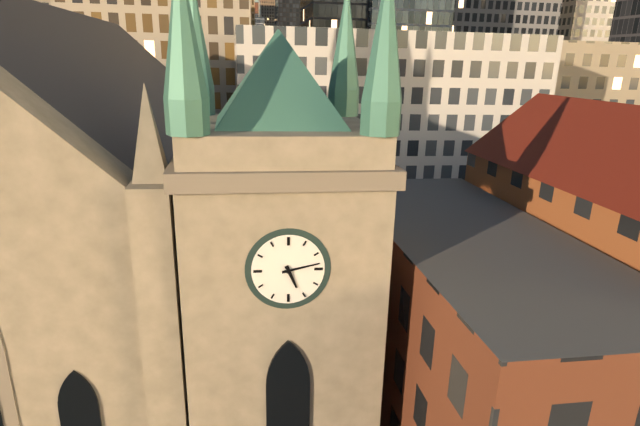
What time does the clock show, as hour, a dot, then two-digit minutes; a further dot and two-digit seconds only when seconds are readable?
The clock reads 5.13
